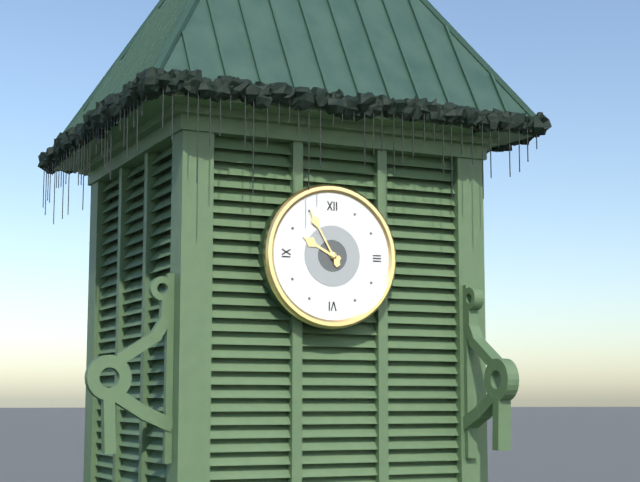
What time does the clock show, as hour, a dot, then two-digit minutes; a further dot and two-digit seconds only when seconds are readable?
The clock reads 9.55
